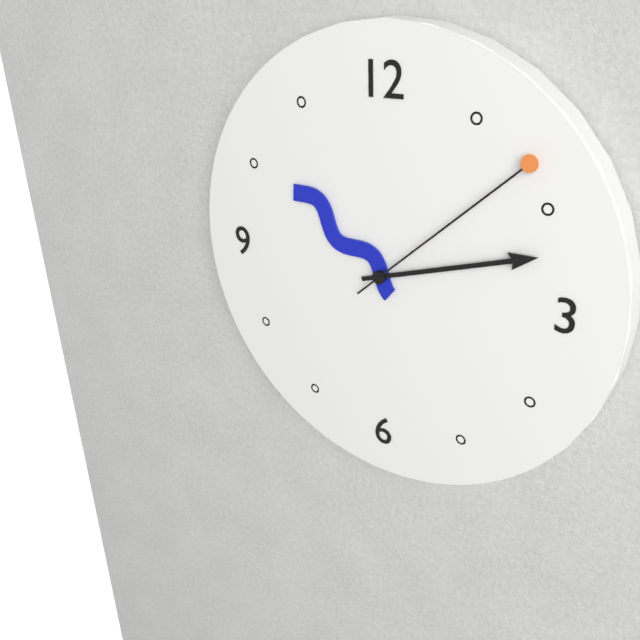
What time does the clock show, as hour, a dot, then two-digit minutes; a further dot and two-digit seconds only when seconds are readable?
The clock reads 10.12.08
